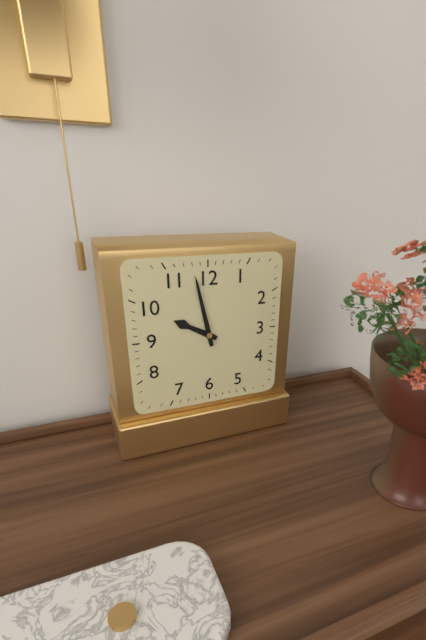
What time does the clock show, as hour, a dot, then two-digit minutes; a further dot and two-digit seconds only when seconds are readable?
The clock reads 9.58
